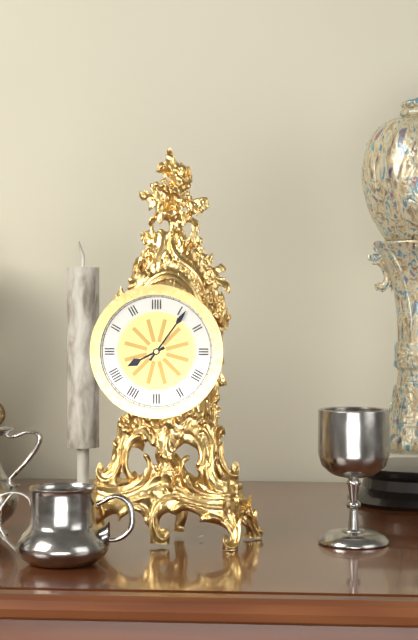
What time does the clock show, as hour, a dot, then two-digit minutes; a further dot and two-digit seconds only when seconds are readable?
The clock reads 8.06
